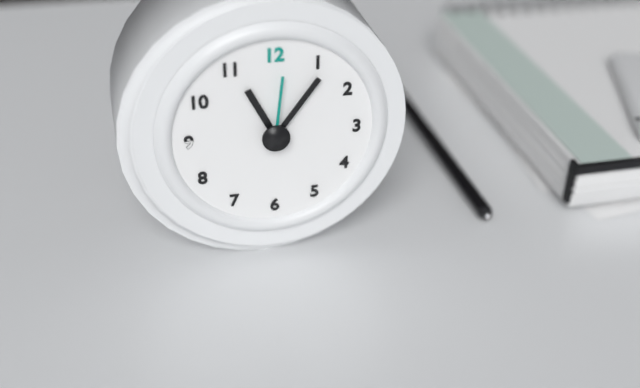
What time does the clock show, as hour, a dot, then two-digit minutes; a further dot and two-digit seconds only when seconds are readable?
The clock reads 11.06.01
